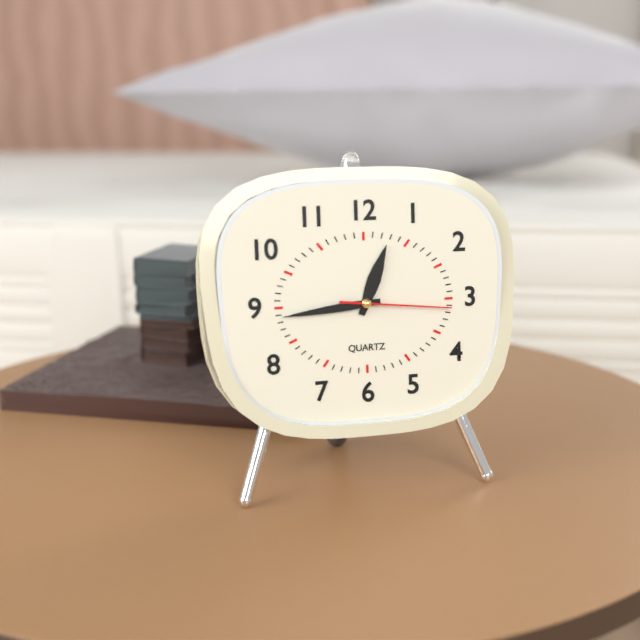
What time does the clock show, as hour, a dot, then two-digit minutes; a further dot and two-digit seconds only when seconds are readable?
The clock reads 12.44.16
